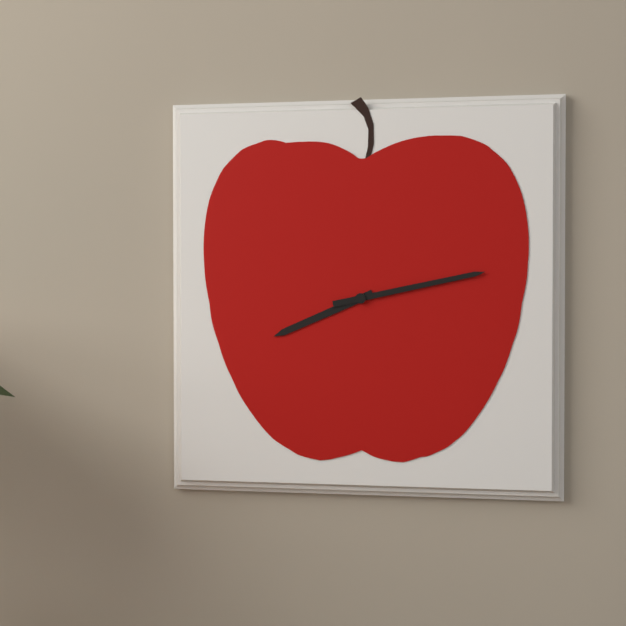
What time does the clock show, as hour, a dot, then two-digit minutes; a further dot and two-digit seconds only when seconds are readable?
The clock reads 8.13
